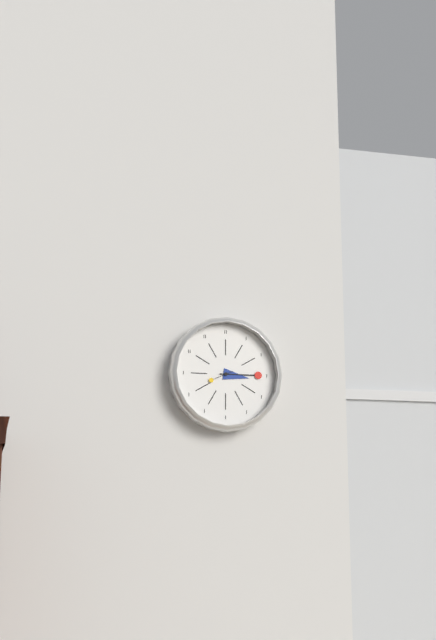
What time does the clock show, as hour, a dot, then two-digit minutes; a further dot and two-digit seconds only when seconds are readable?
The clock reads 3.15
